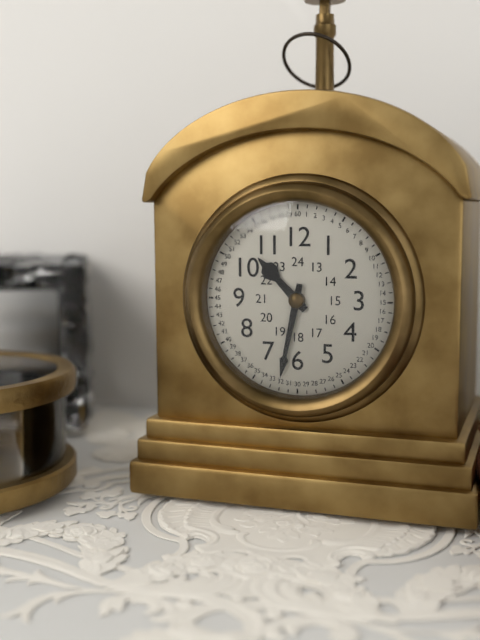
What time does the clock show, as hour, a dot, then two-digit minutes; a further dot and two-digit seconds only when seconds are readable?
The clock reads 10.32
